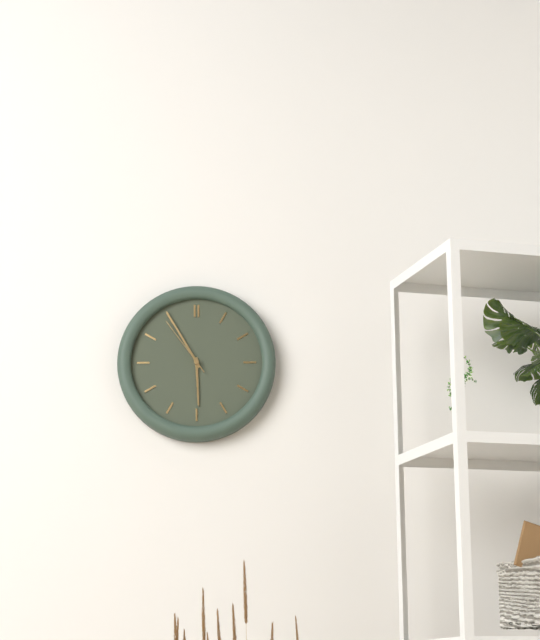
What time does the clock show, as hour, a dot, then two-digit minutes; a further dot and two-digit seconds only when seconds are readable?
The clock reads 5.55.54
